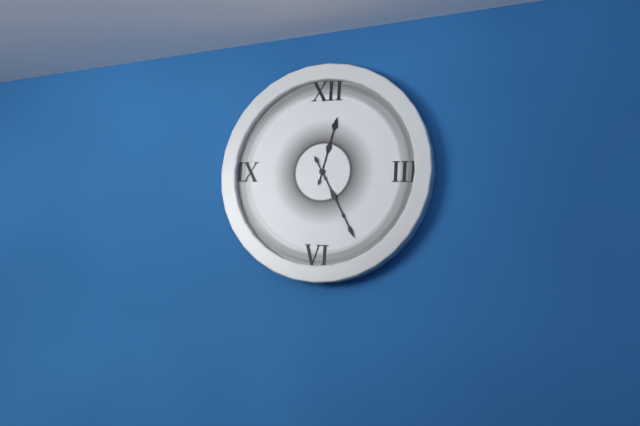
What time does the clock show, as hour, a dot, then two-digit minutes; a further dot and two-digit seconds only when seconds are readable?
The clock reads 12.25
